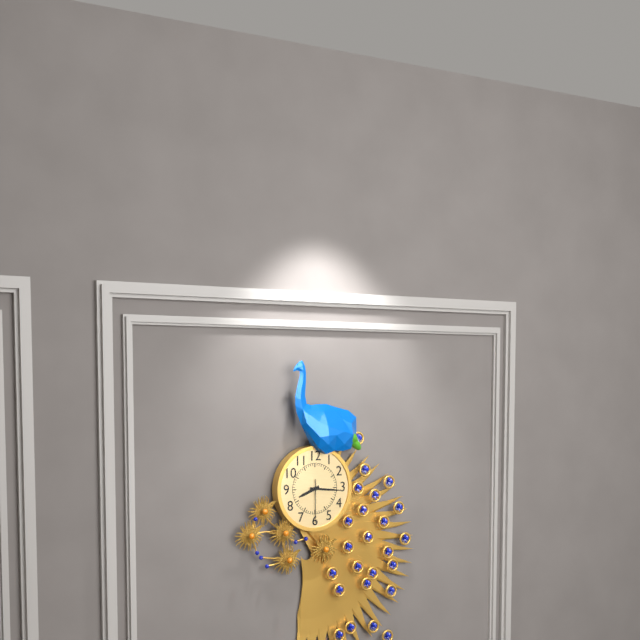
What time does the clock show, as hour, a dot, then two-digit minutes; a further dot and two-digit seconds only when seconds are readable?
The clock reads 8.16
